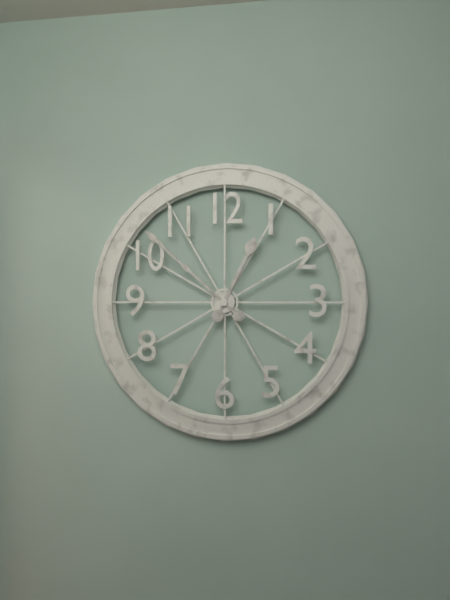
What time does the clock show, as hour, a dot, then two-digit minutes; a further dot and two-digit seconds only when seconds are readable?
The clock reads 12.52
